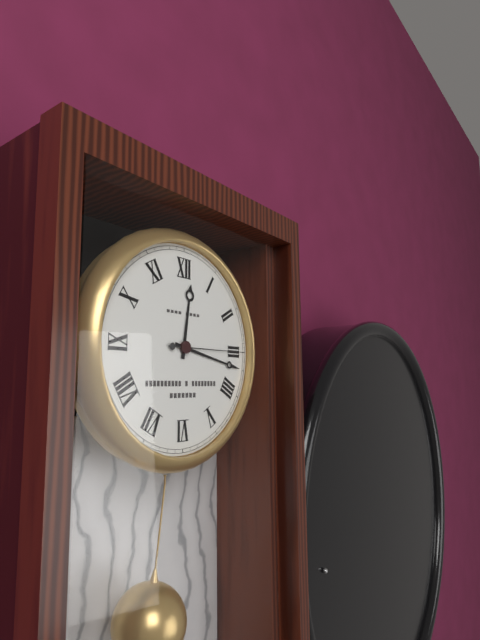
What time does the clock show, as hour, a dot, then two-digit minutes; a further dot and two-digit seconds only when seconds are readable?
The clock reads 12.17.15
